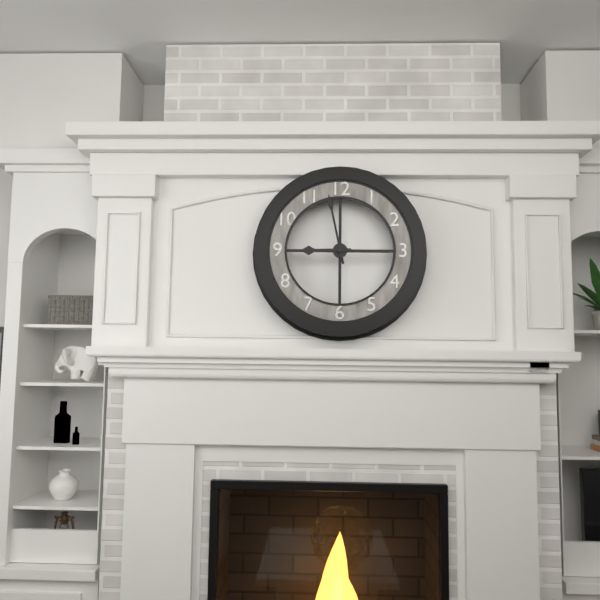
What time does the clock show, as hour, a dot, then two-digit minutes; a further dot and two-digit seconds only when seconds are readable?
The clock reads 8.58
